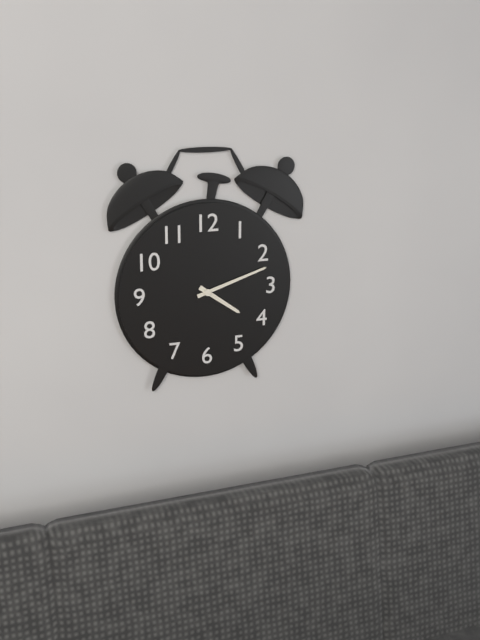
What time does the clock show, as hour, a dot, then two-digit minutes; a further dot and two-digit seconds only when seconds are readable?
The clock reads 4.12
